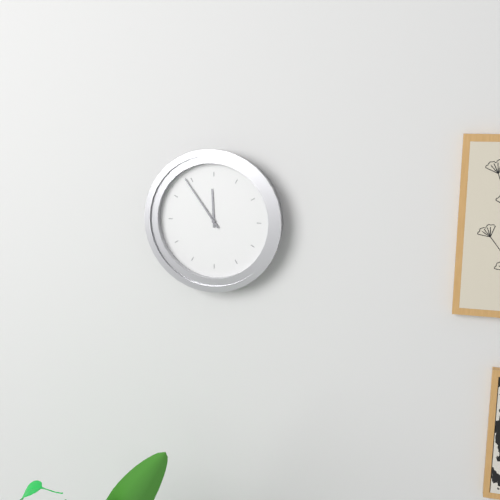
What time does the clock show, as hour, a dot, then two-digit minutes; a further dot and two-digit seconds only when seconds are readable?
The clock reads 11.54
